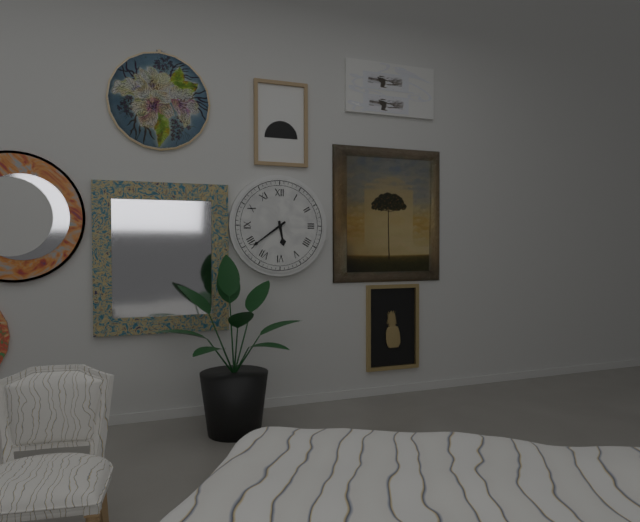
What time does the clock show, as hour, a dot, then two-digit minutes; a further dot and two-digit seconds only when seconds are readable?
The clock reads 5.39
